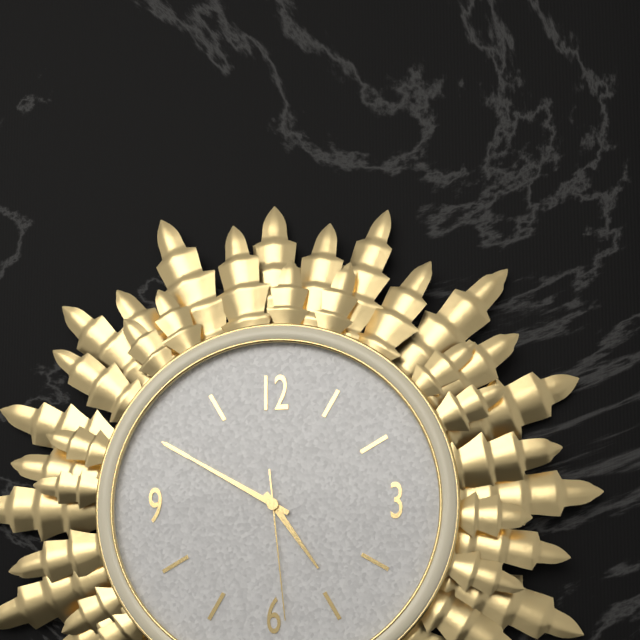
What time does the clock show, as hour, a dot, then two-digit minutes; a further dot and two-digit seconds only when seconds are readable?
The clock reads 4.50.29
